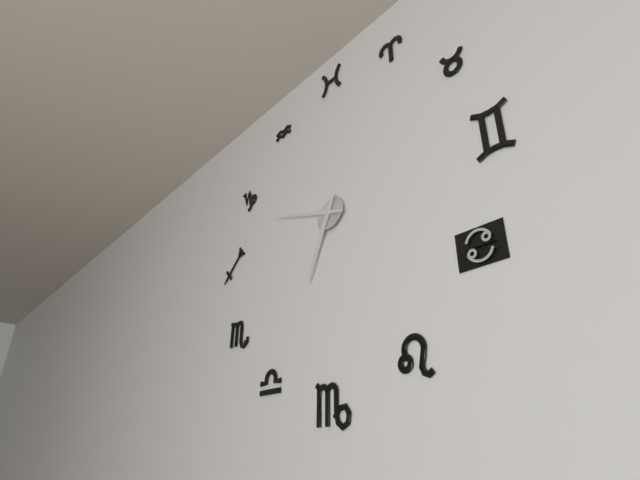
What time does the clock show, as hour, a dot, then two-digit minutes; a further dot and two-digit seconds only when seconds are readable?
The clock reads 6.48
